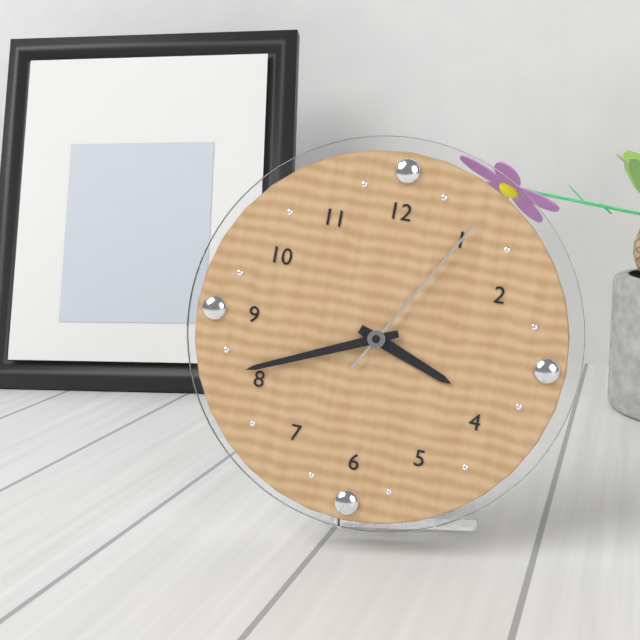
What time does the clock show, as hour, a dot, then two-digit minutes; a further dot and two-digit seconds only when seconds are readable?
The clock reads 3.41.05
